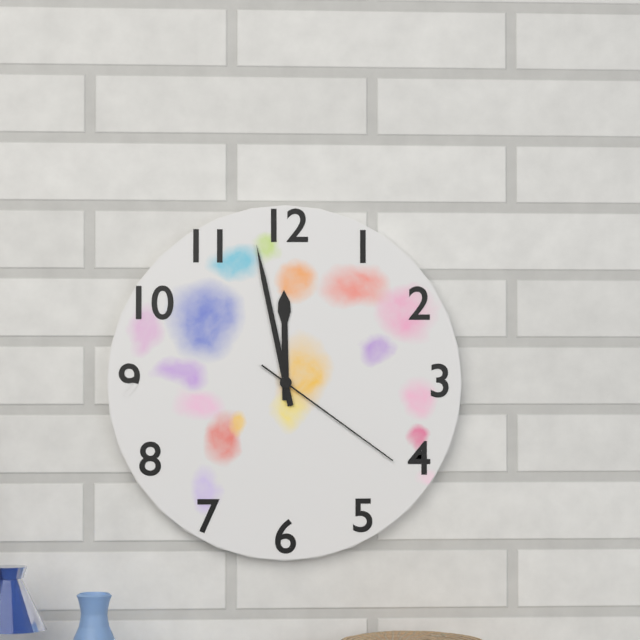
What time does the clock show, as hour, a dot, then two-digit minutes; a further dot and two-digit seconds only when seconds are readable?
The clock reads 11.58.21
